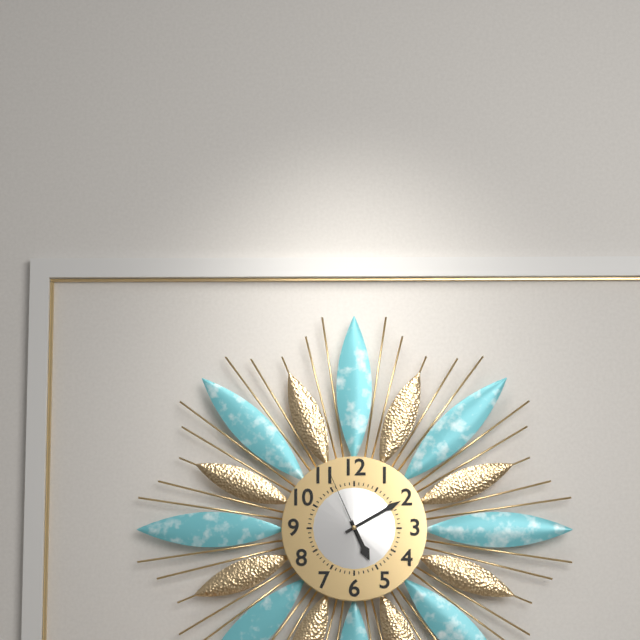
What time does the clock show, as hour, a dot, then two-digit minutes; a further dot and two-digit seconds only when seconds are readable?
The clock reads 5.10.56
